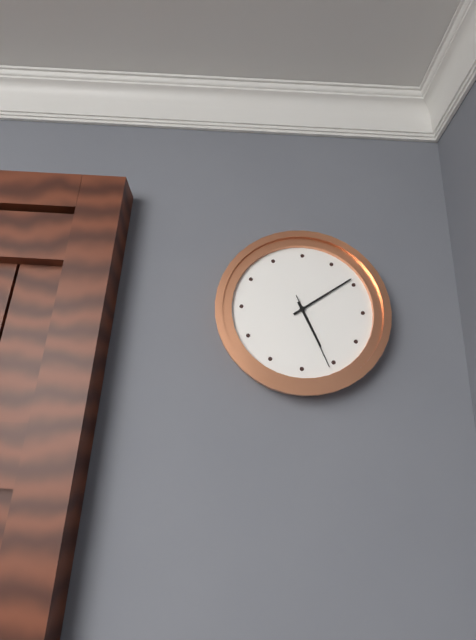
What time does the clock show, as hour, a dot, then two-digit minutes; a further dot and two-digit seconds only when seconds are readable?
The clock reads 5.09.26
